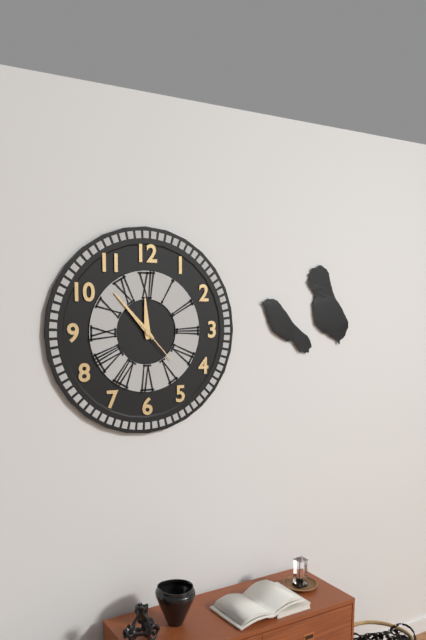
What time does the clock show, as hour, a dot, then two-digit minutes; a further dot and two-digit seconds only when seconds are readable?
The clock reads 11.53
